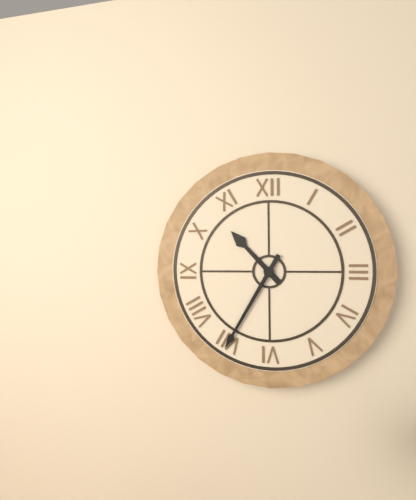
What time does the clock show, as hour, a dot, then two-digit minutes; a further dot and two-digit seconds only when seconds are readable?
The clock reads 10.35
